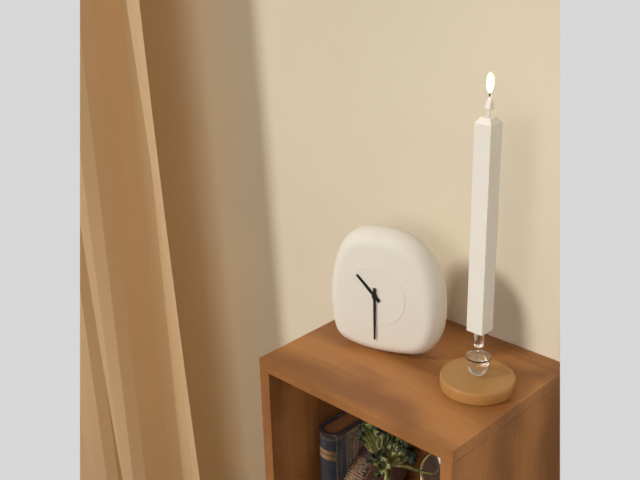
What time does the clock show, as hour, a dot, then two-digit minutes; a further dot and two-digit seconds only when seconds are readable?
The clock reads 10.30
